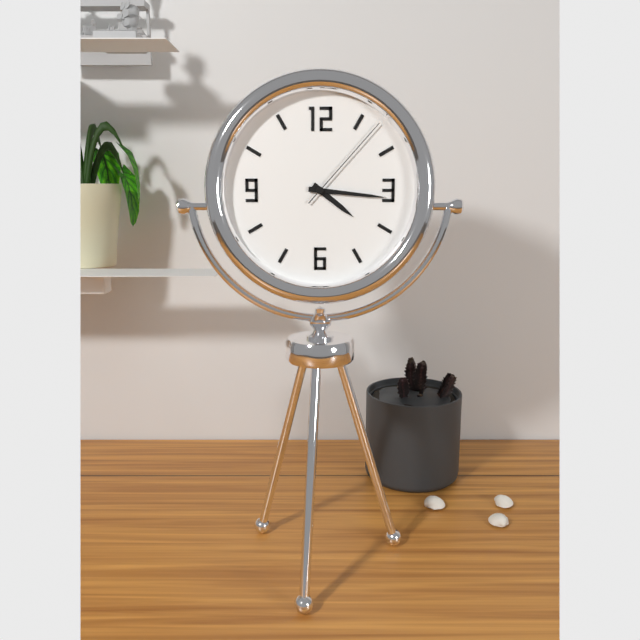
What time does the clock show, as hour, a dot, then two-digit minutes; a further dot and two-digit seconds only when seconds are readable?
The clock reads 4.16.07
